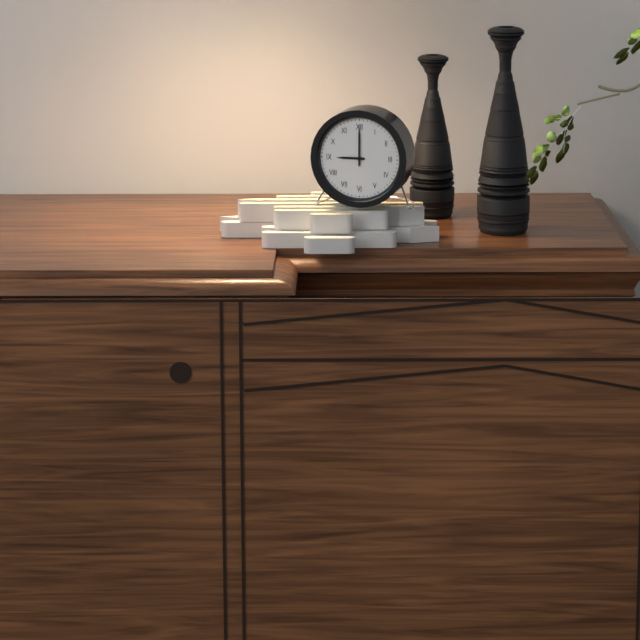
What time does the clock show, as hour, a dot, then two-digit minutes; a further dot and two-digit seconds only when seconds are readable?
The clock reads 9.00
